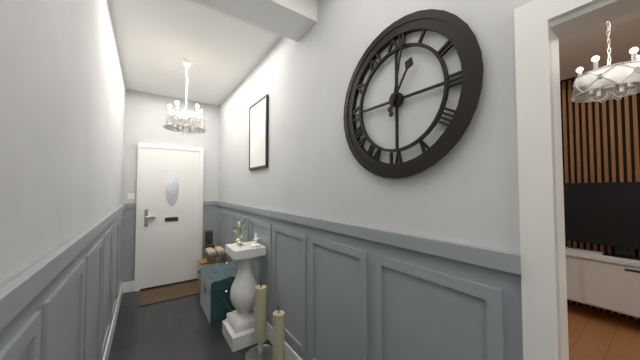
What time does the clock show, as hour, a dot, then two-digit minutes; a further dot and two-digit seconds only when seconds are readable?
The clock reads 1.02
